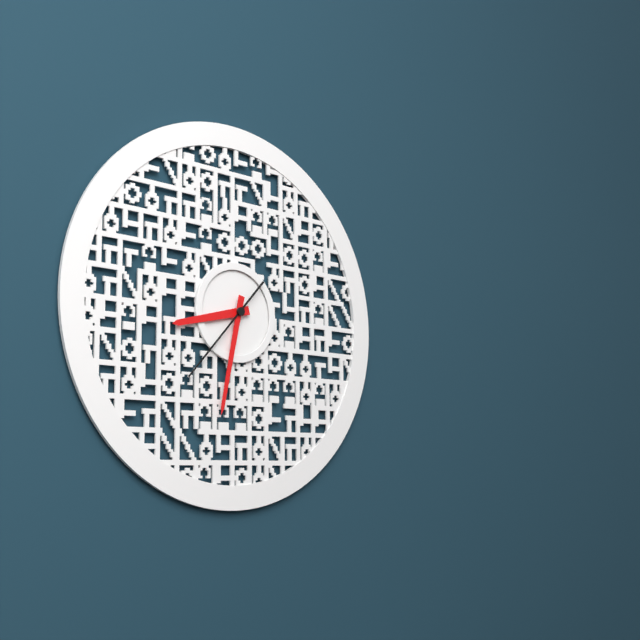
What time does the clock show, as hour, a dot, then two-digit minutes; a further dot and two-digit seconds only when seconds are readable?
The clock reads 8.32.37
